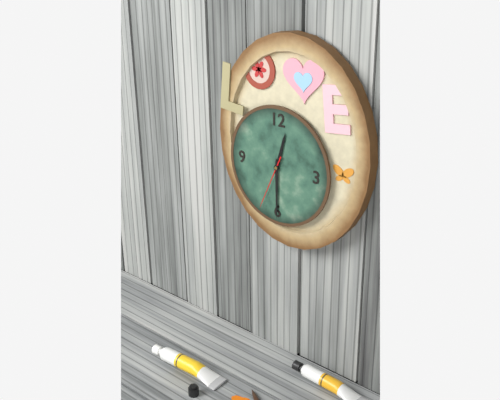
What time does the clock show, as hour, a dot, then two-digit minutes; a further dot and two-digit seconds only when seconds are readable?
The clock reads 12.30.34
